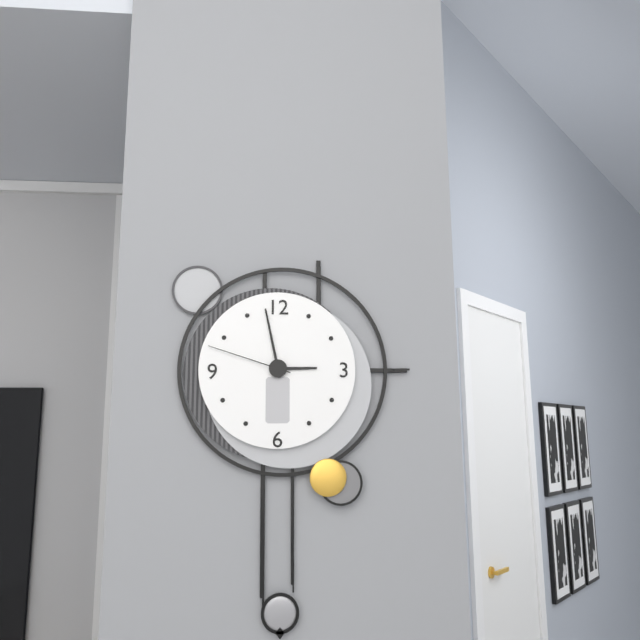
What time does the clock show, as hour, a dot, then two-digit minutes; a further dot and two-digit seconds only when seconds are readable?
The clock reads 2.58.48
